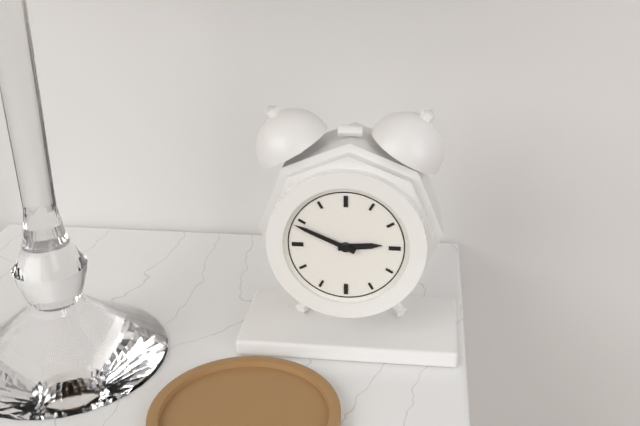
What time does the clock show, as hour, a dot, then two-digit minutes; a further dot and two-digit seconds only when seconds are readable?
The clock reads 2.49
